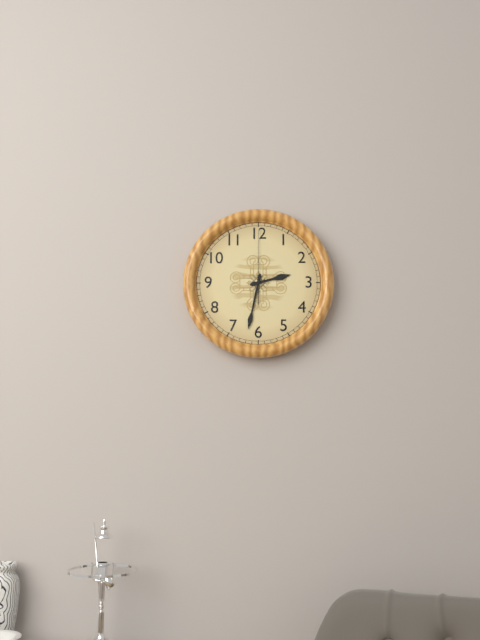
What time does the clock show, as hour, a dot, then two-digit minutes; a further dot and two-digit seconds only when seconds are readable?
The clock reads 2.32.00
